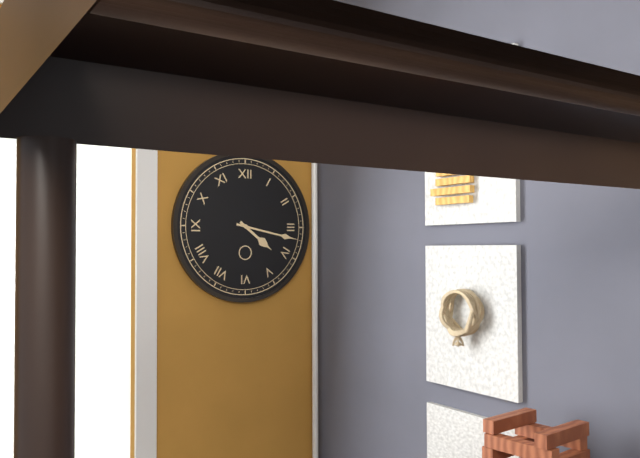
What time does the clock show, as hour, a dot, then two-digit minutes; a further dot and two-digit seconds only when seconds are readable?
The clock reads 4.17
